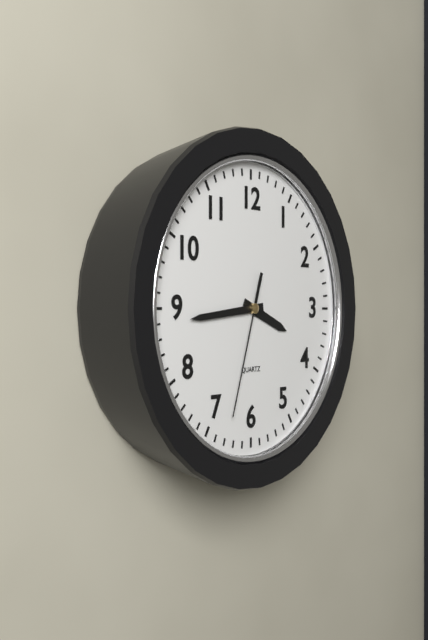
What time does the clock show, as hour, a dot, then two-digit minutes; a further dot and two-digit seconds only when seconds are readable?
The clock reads 3.44.33
